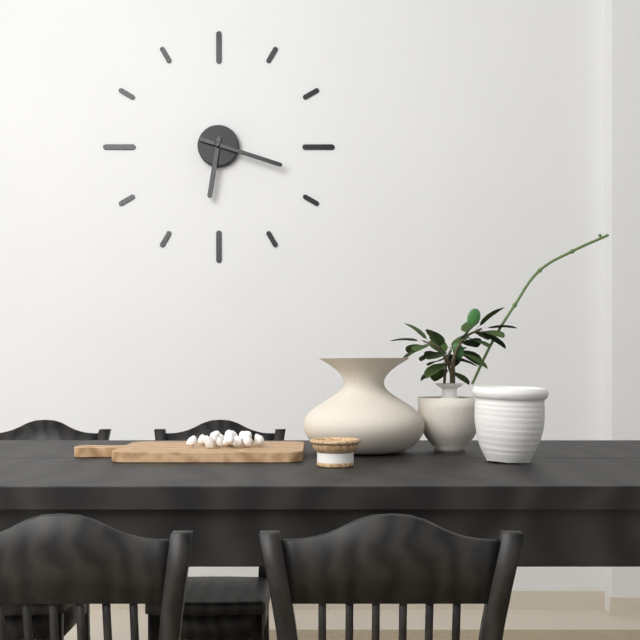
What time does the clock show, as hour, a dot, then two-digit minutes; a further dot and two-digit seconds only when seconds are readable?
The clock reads 6.18
